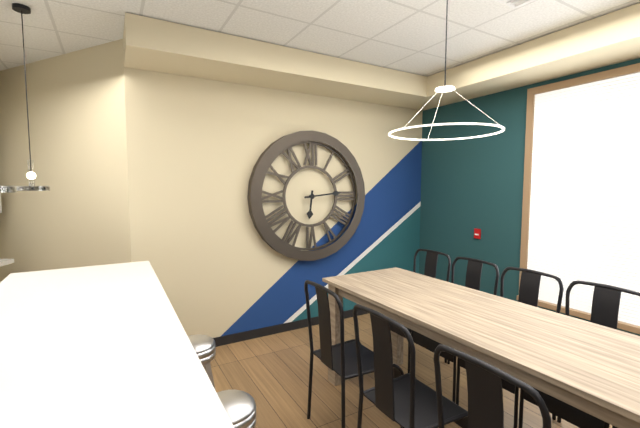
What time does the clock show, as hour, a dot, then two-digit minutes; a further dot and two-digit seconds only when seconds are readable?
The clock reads 6.14
